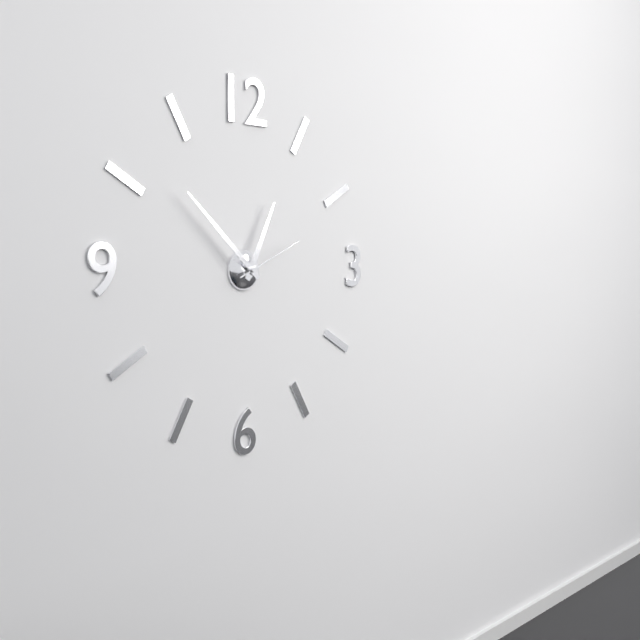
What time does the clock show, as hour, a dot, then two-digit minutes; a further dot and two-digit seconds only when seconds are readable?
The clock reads 12.52.11
